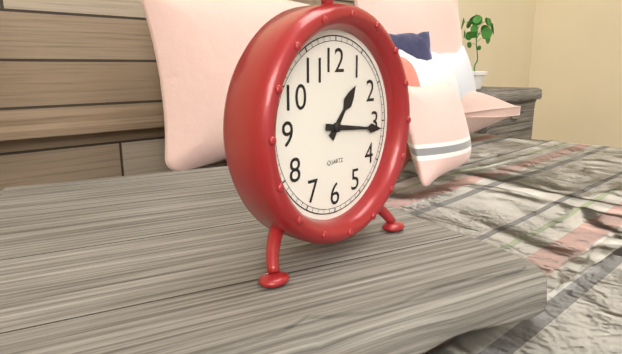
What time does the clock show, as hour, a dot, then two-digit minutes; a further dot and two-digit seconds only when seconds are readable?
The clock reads 1.16
